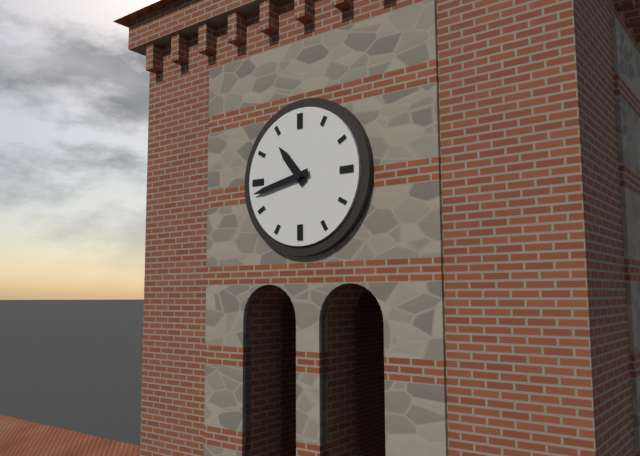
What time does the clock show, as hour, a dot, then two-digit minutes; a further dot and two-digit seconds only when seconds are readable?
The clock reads 10.43
